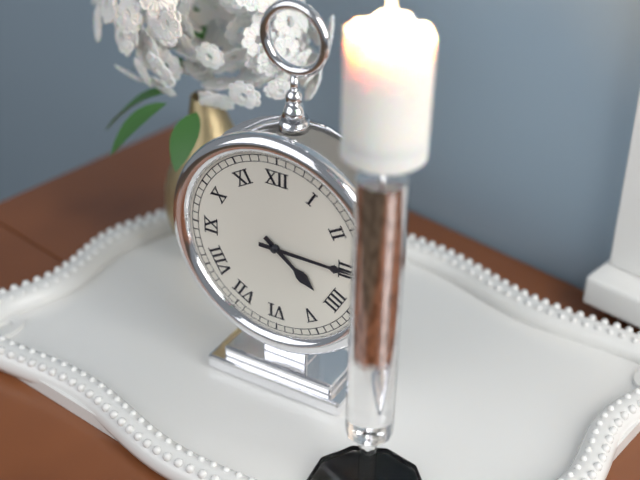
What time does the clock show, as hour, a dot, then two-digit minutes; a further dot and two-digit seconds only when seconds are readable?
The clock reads 4.15
